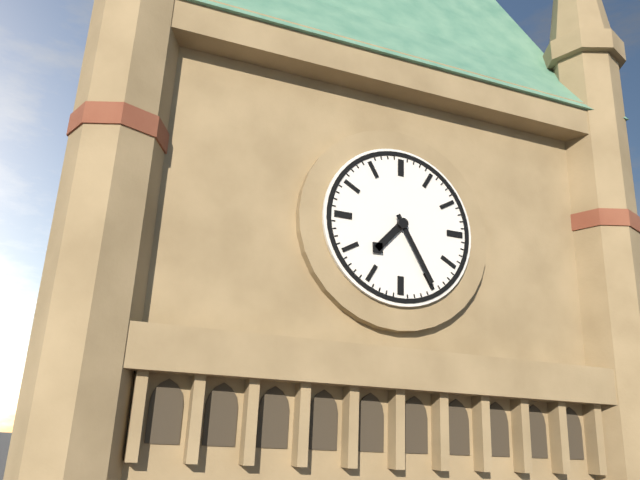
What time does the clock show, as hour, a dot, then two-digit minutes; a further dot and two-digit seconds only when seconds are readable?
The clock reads 7.25
